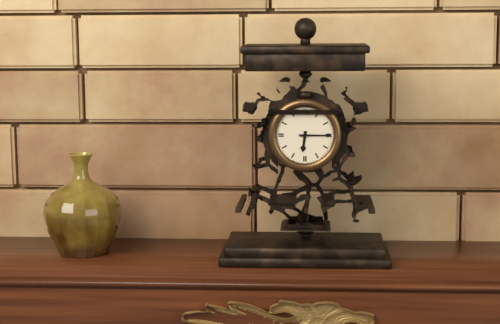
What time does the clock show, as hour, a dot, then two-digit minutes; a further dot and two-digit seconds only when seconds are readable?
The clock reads 6.15
